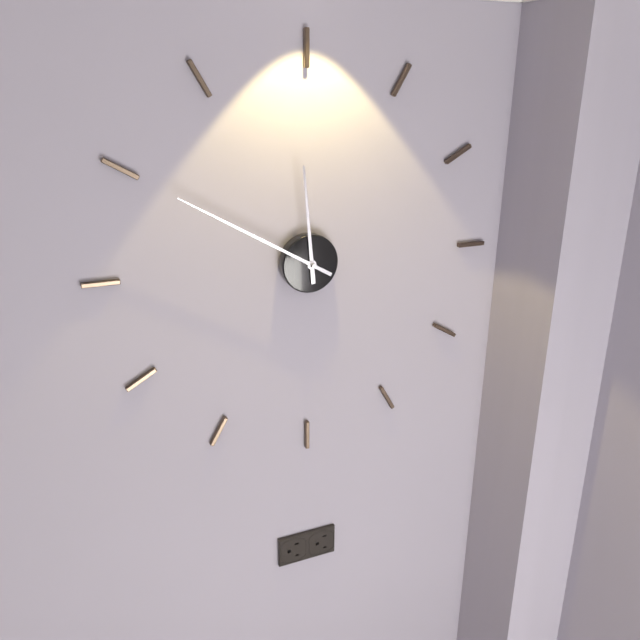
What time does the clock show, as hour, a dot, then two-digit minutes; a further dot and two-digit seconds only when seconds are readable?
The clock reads 11.50
